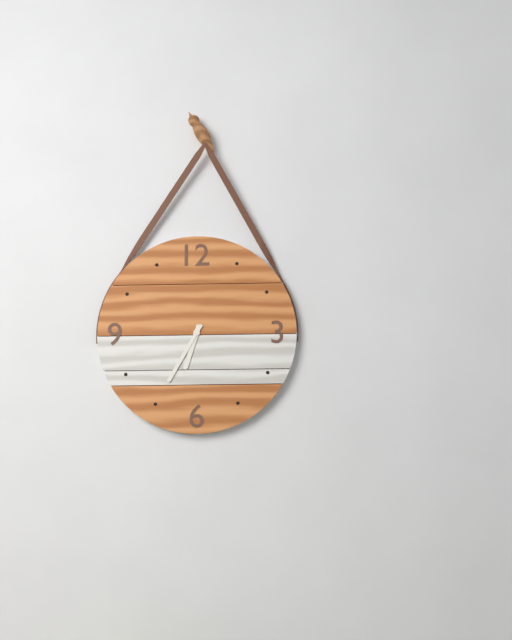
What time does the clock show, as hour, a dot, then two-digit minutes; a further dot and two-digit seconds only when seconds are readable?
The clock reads 6.35
